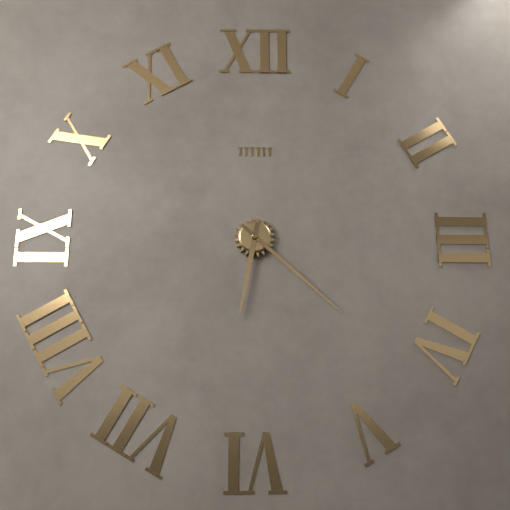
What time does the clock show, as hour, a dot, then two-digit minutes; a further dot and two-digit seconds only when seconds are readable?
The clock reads 6.22
